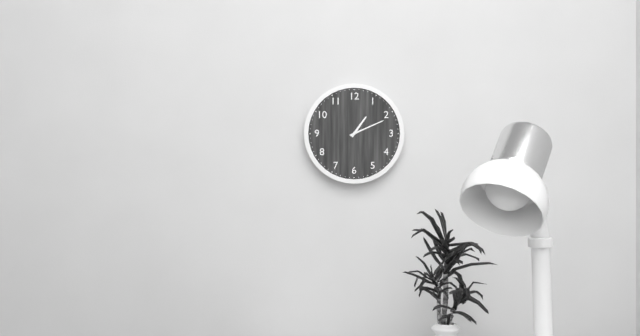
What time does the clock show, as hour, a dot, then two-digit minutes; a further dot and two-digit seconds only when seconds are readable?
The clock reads 1.11
